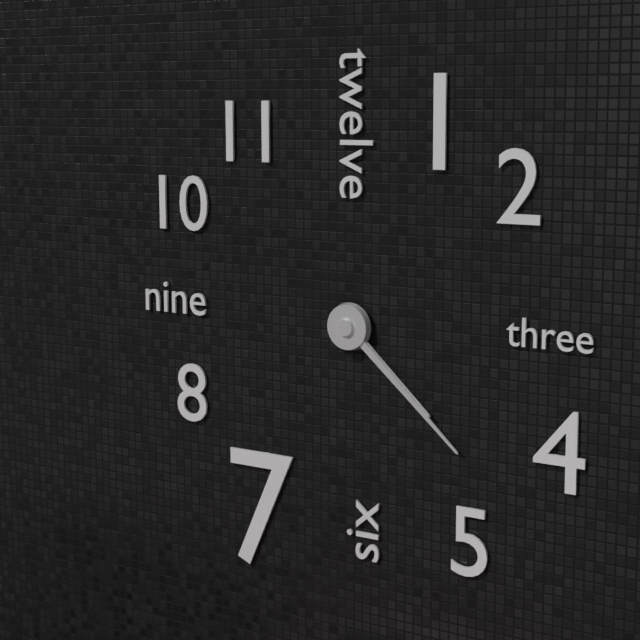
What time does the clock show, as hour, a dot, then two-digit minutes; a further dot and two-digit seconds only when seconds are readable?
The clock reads 4.22
